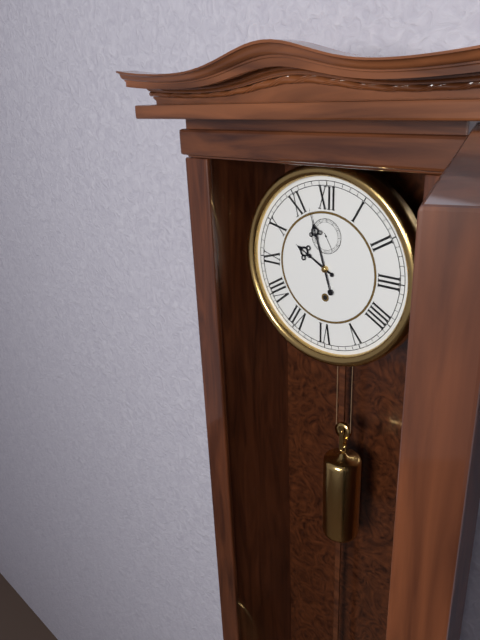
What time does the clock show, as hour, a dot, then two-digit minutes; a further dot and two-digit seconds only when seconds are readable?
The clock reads 9.57
